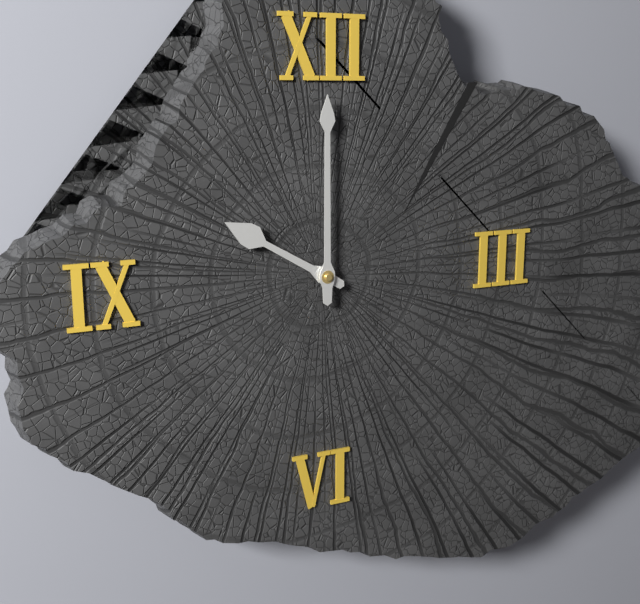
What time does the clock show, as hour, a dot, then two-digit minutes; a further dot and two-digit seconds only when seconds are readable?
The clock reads 10.00
